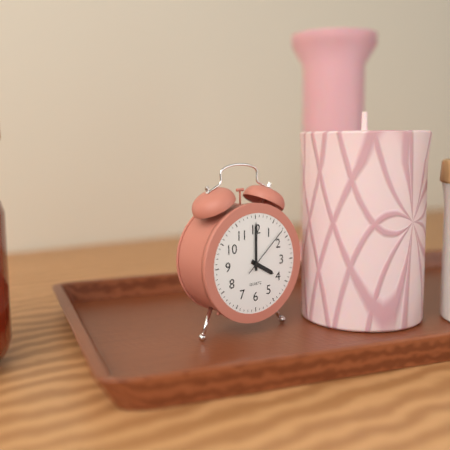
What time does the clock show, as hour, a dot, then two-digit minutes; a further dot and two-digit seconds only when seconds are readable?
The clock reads 4.00.08
